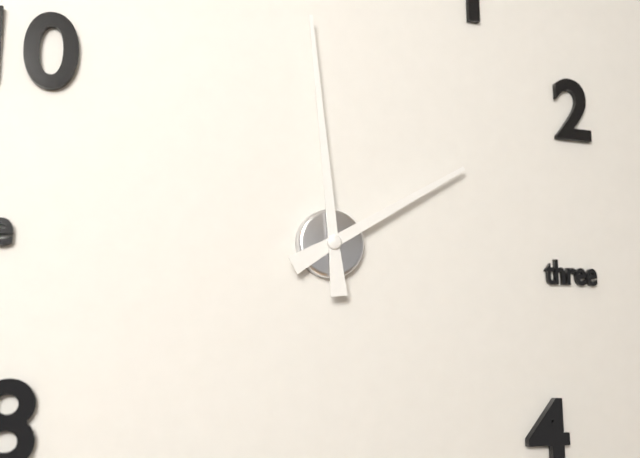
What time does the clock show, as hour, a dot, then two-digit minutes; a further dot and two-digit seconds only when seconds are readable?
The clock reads 1.59
